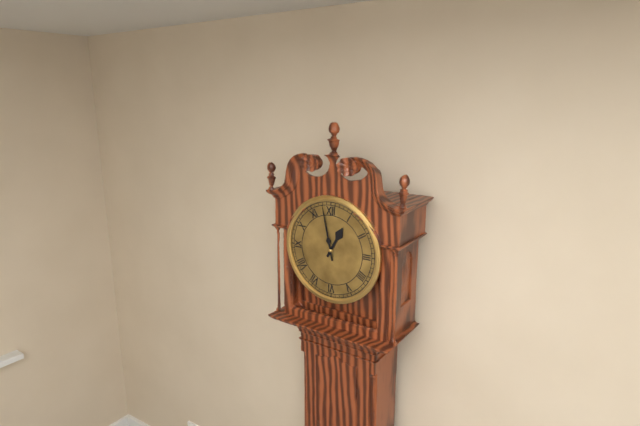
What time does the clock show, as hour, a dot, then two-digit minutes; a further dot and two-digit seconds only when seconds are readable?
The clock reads 12.58
